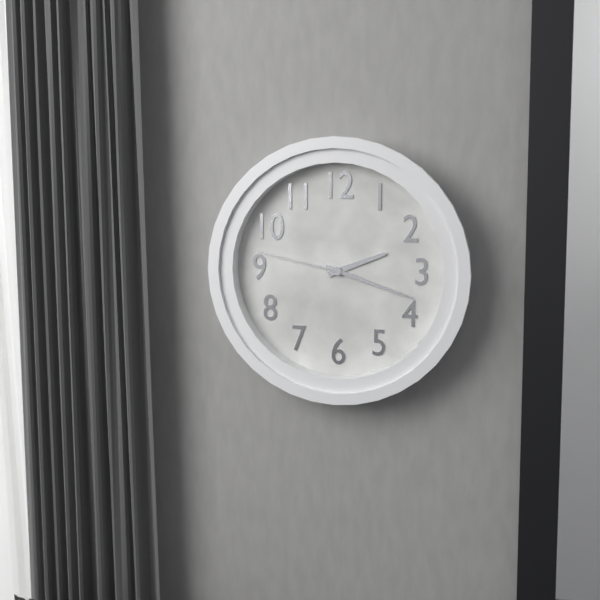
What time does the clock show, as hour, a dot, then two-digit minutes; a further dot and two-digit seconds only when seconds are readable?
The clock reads 2.18.47
